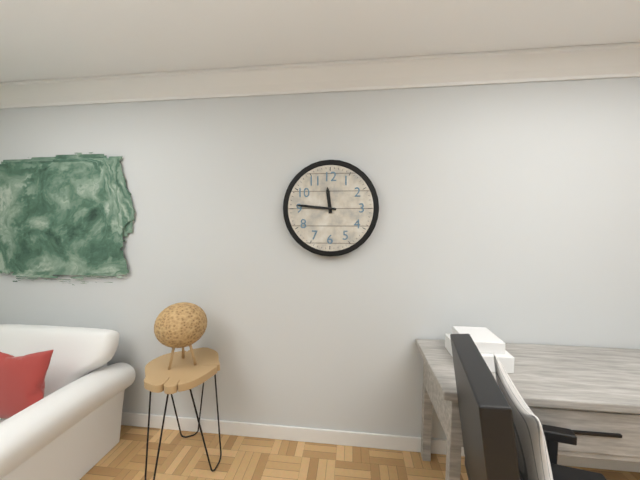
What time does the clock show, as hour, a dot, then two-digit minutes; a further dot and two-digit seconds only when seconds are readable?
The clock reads 11.46
